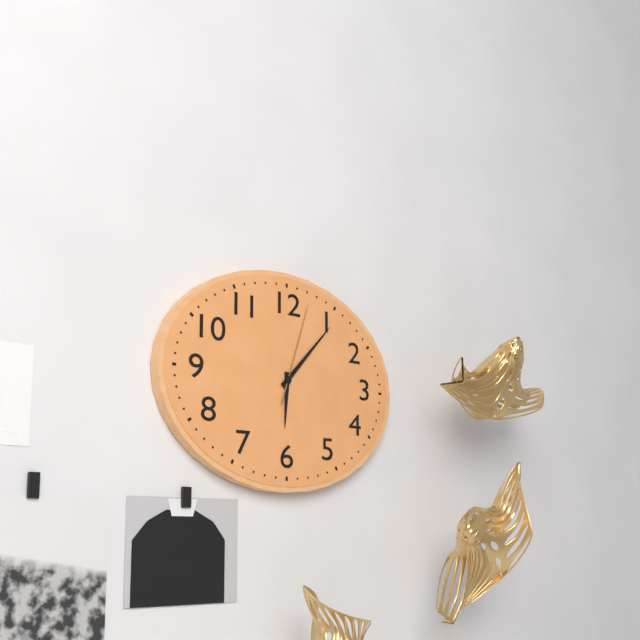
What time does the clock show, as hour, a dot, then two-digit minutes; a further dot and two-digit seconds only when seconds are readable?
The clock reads 6.07.03
